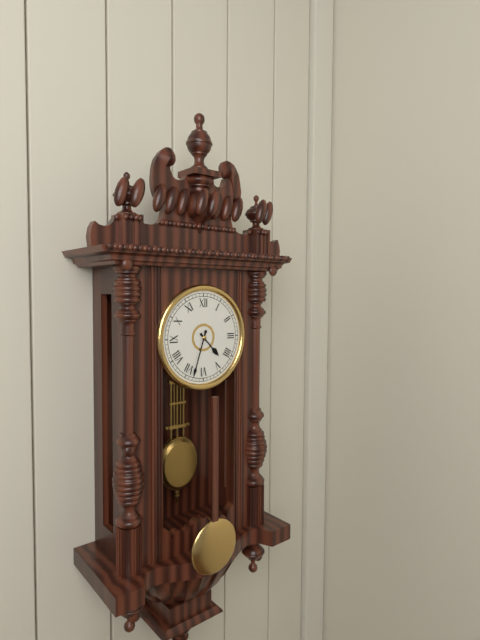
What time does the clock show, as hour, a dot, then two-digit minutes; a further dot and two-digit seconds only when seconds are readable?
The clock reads 4.33
